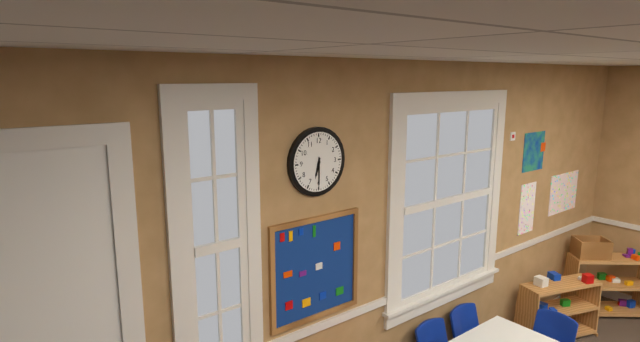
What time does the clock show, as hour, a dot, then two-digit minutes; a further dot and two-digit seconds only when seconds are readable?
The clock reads 6.30
